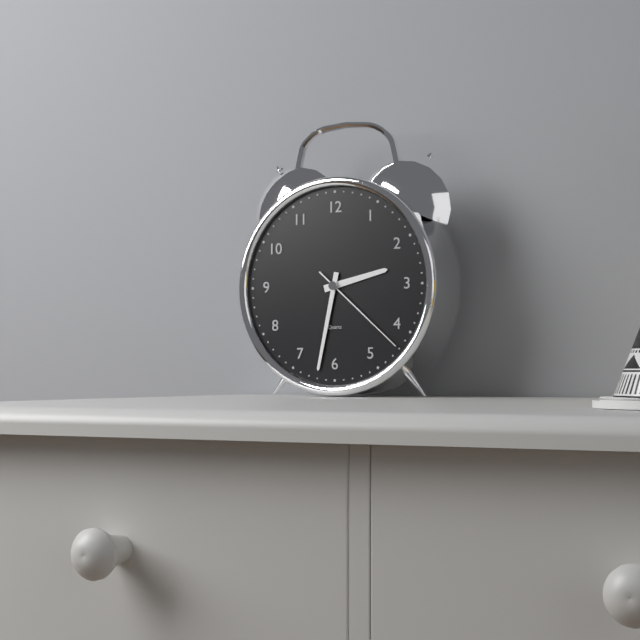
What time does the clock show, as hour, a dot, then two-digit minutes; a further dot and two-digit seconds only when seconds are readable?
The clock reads 2.32.22
